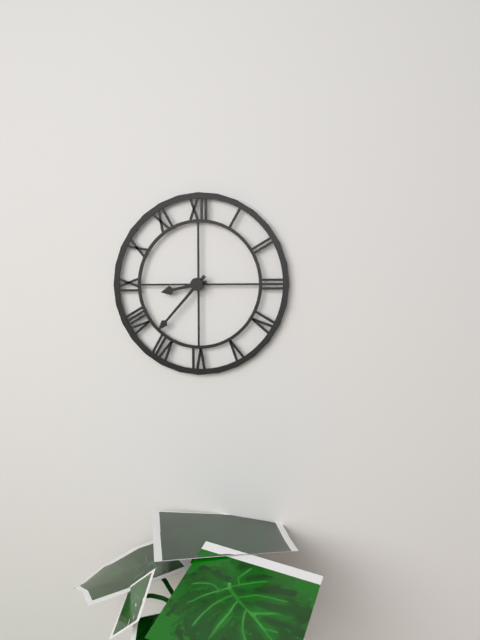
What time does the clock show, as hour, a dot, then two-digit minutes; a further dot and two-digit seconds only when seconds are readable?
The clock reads 8.37
